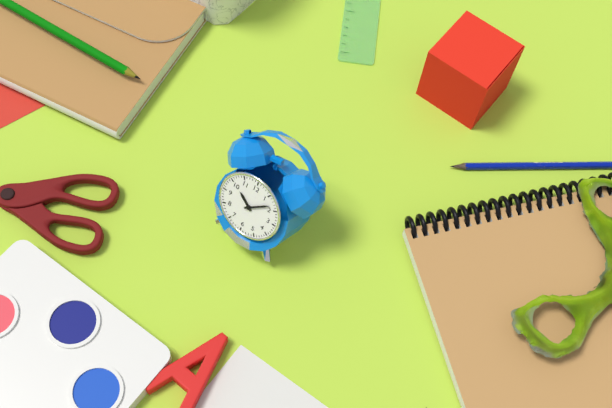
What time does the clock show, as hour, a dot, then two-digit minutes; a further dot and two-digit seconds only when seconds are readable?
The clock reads 10.08
